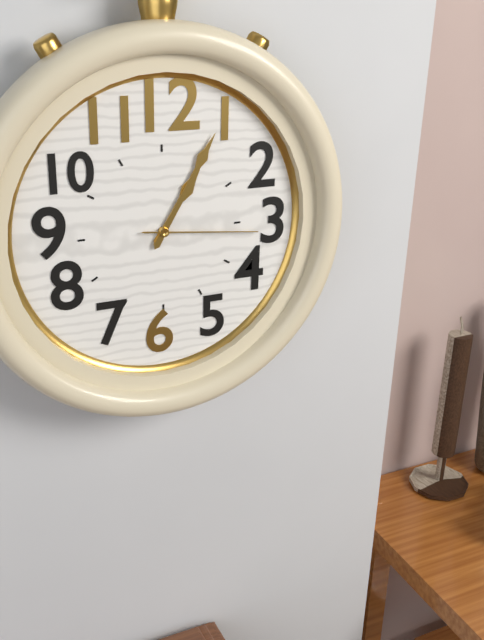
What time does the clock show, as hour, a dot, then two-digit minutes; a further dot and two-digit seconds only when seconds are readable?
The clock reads 1.05.16
